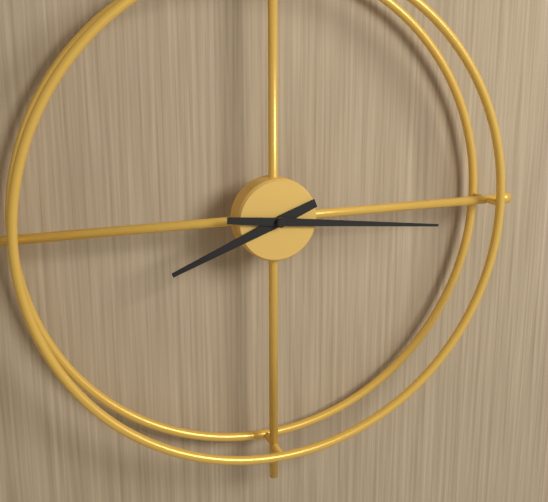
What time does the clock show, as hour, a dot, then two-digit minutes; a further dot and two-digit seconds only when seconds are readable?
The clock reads 8.16
